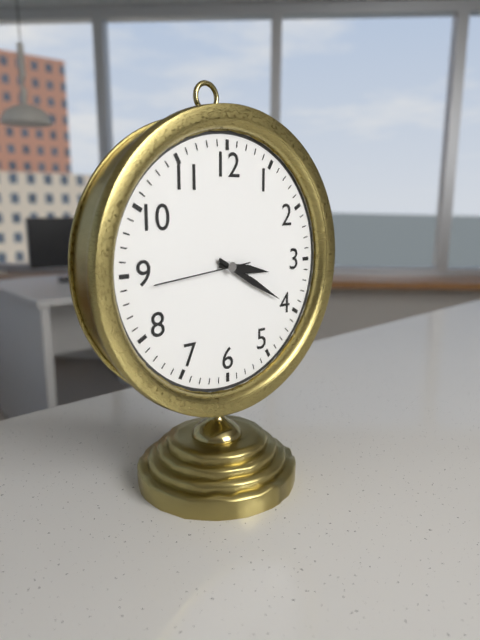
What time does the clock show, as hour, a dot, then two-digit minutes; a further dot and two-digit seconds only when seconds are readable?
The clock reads 3.20.44
